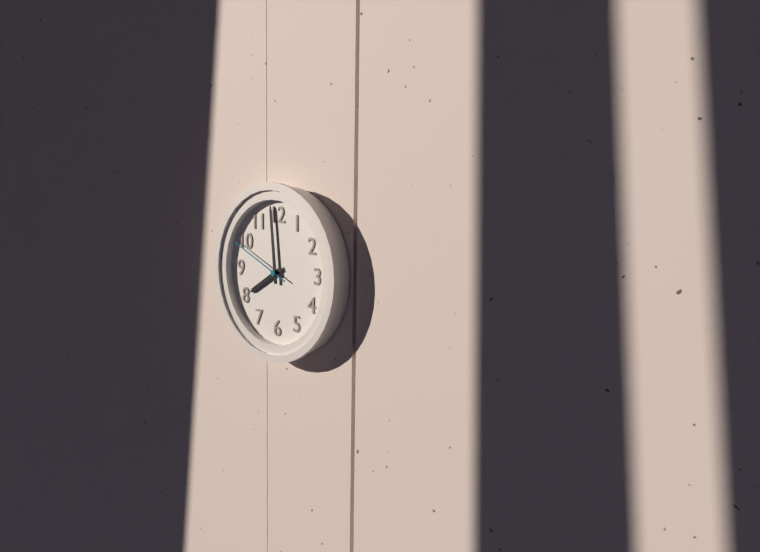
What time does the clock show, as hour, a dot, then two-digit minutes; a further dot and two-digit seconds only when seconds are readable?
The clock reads 7.59.49
